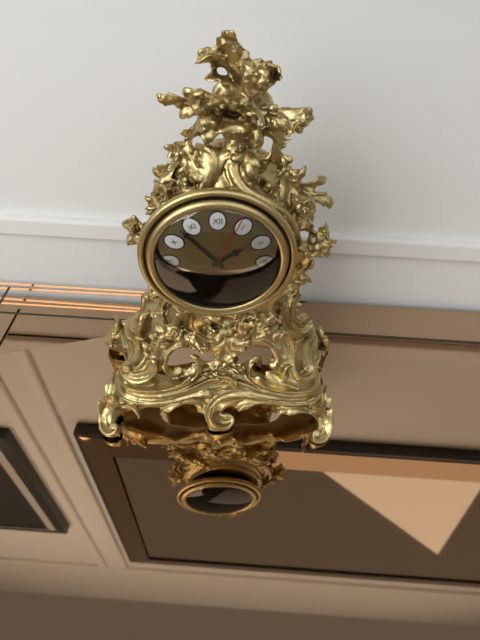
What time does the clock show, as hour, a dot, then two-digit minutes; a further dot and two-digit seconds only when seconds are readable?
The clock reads 1.53.04
